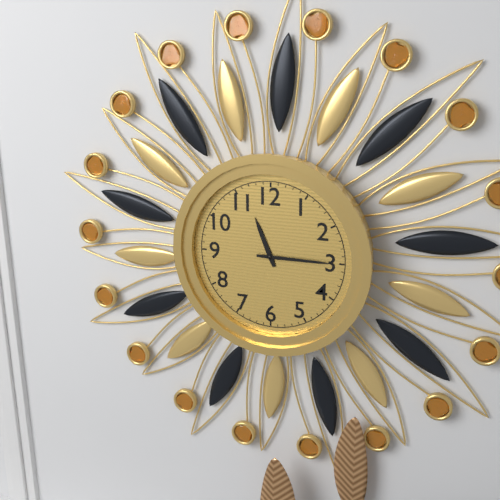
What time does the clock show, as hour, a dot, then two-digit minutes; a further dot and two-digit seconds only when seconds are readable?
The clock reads 11.15
